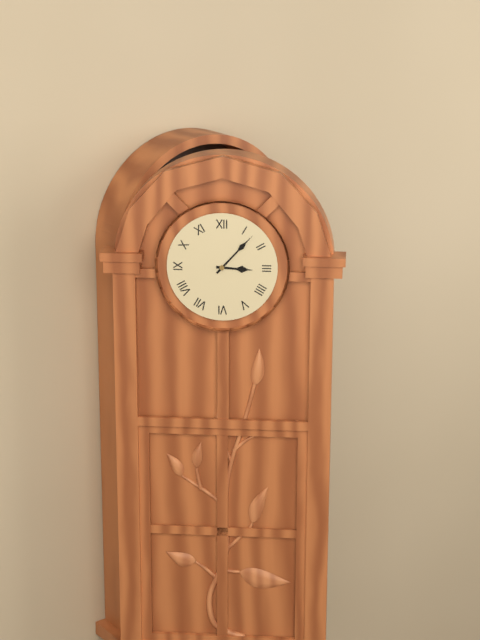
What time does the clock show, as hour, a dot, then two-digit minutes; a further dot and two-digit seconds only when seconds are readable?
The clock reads 3.07
